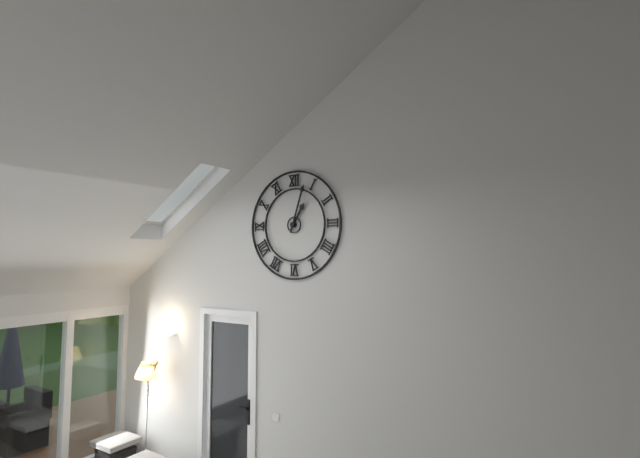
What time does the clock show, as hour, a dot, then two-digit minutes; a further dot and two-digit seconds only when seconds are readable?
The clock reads 1.03
